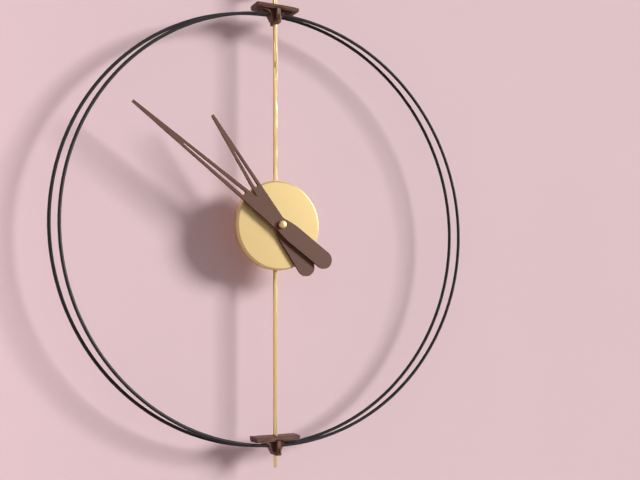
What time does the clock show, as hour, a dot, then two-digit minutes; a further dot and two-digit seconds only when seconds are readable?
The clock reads 10.51
